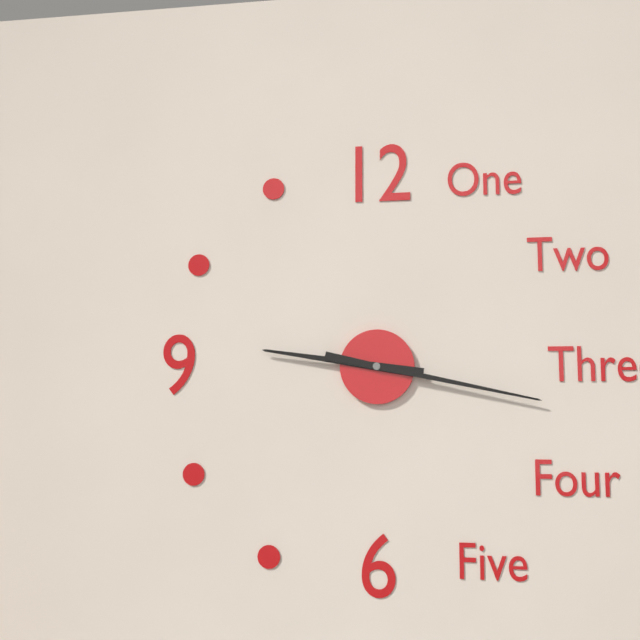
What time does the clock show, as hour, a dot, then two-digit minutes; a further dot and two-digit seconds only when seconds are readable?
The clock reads 9.17
